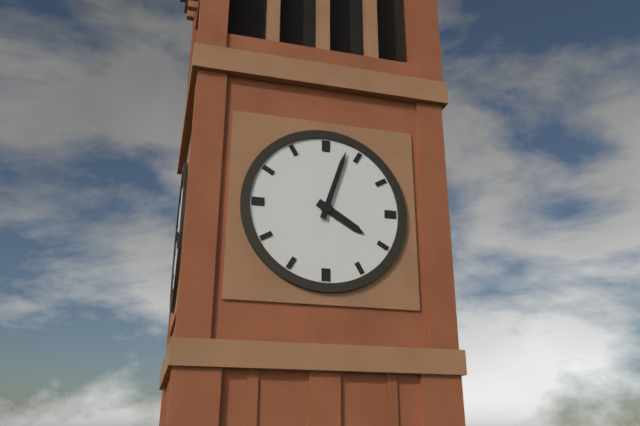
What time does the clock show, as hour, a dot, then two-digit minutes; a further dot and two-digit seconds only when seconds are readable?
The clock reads 4.03
